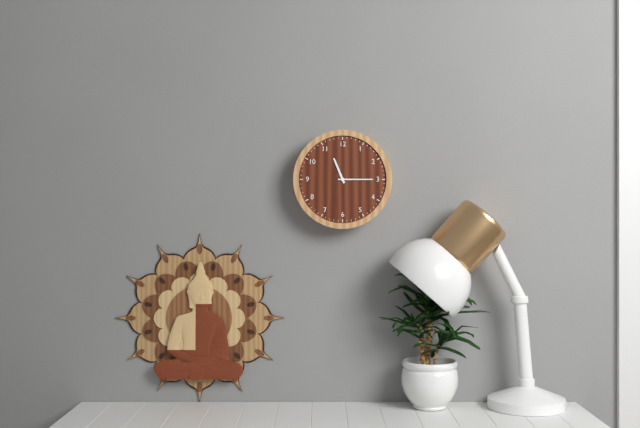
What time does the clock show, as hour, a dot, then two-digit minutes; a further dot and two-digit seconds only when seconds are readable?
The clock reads 11.15
